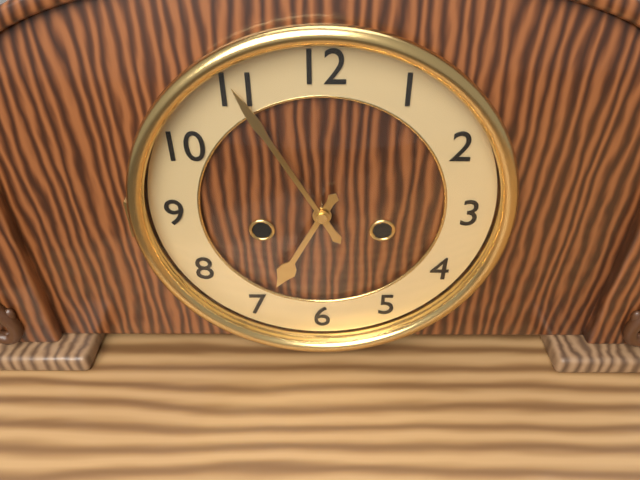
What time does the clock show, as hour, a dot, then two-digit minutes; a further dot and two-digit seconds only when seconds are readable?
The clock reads 6.55
